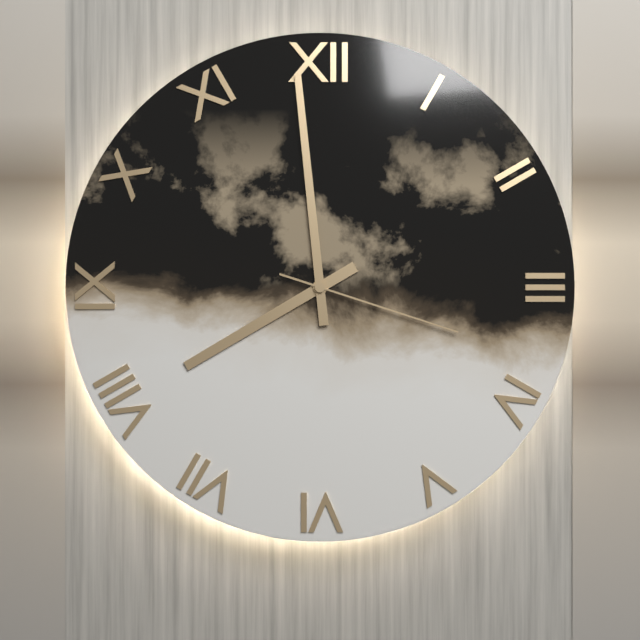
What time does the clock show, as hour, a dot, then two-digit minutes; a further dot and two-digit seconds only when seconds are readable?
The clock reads 7.59.18
